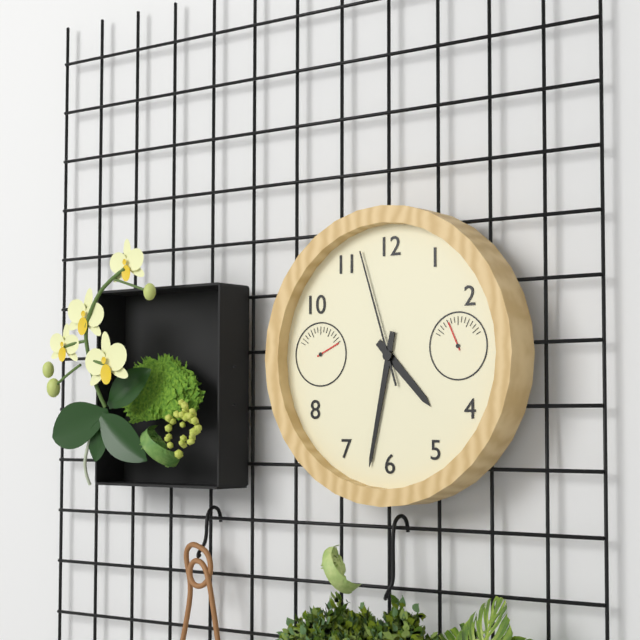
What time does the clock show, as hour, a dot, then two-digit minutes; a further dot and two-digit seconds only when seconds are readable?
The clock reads 4.32.57
